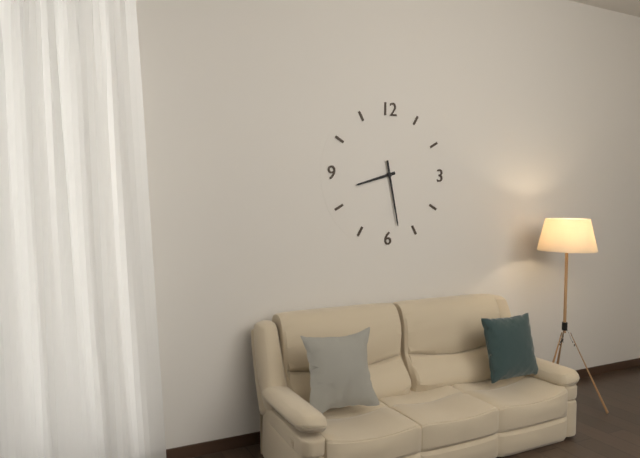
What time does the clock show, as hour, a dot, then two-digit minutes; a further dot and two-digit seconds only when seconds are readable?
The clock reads 8.28
